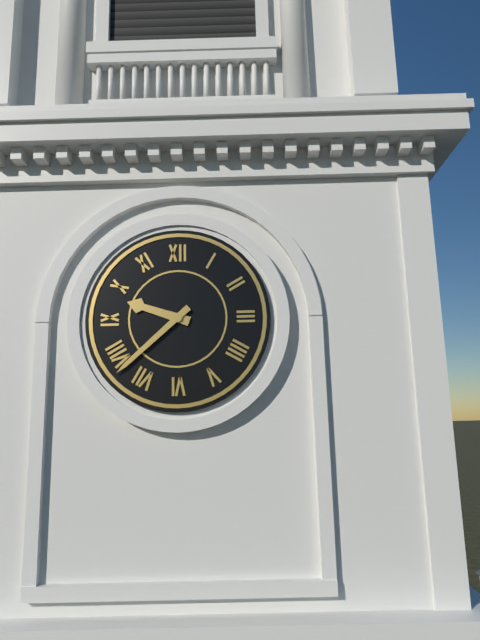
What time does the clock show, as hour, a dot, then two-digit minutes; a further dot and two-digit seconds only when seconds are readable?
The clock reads 9.38
